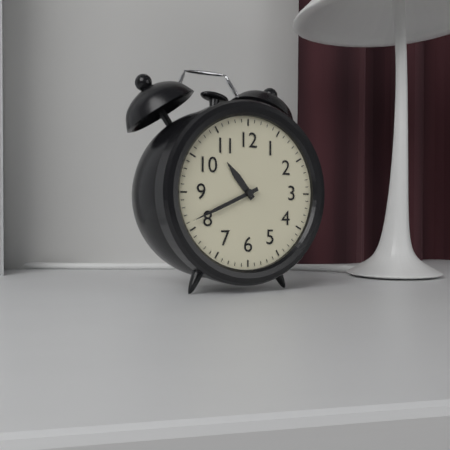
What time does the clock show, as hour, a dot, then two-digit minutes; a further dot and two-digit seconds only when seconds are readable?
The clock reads 10.41
